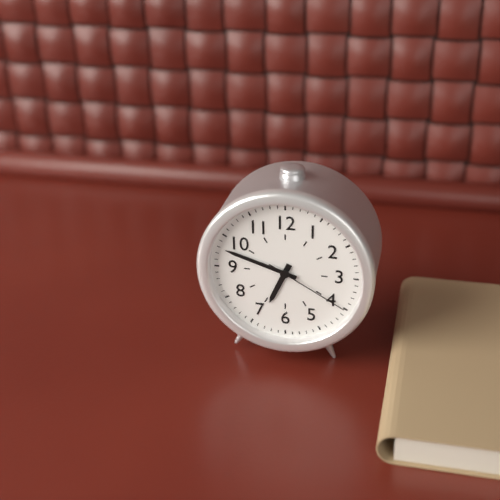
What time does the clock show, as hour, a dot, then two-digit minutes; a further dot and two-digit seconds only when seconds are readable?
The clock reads 6.48.20
